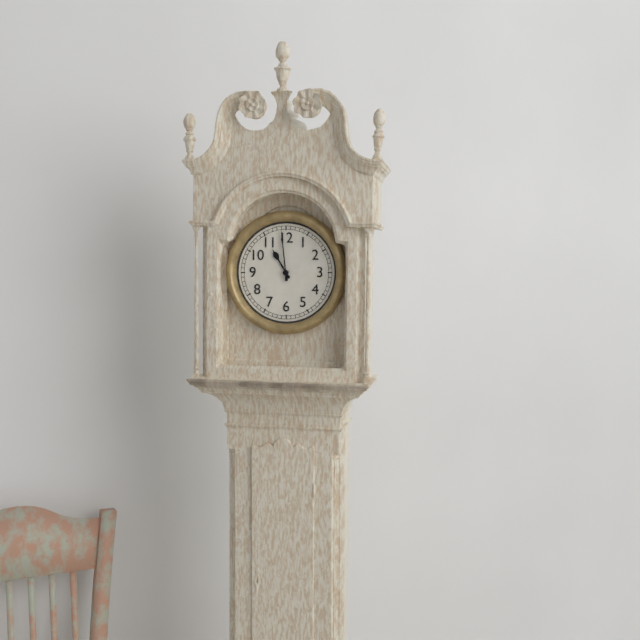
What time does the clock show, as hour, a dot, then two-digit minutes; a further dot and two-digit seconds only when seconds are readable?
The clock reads 10.59
